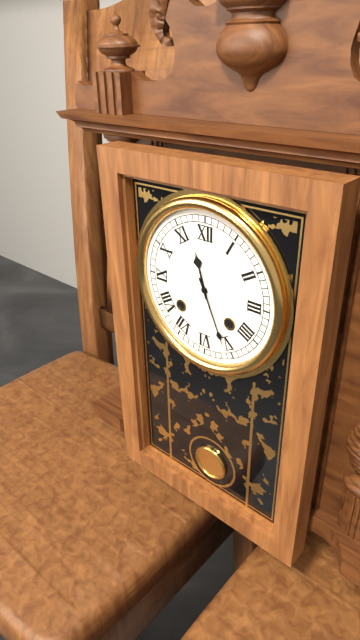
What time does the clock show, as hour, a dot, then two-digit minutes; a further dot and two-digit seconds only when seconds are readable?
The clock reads 11.26
